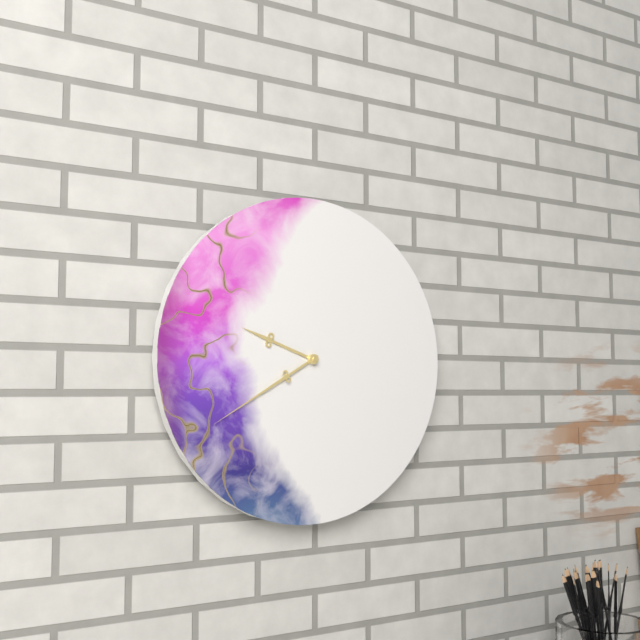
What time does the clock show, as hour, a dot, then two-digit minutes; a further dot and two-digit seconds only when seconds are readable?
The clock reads 9.40
